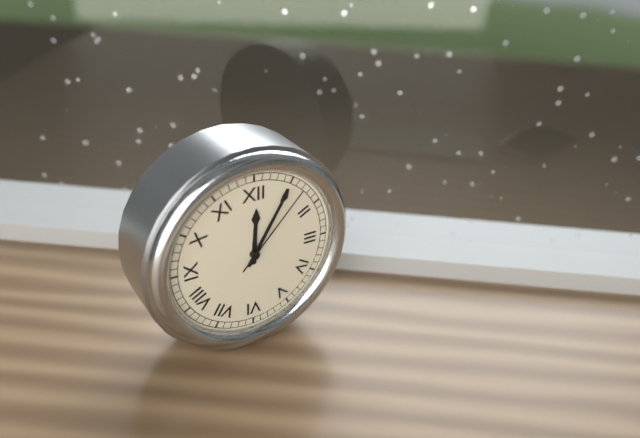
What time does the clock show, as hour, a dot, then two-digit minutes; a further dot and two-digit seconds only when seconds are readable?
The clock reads 12.05.07
